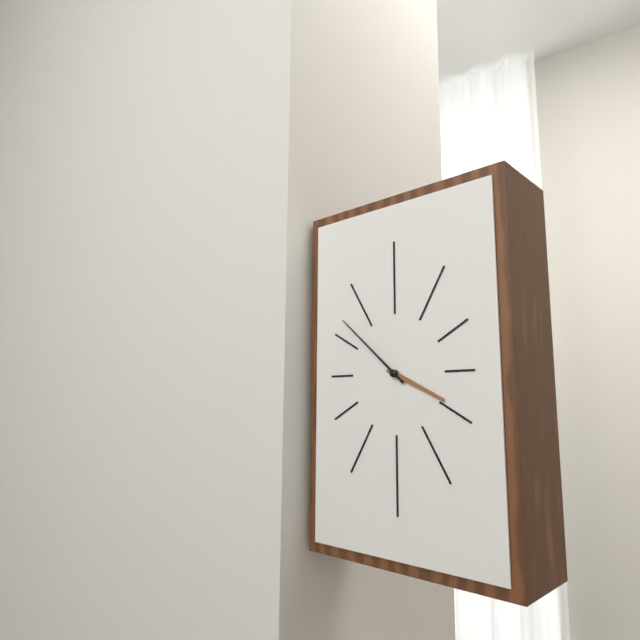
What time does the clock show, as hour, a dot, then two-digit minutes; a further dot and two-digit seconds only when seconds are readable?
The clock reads 3.52
